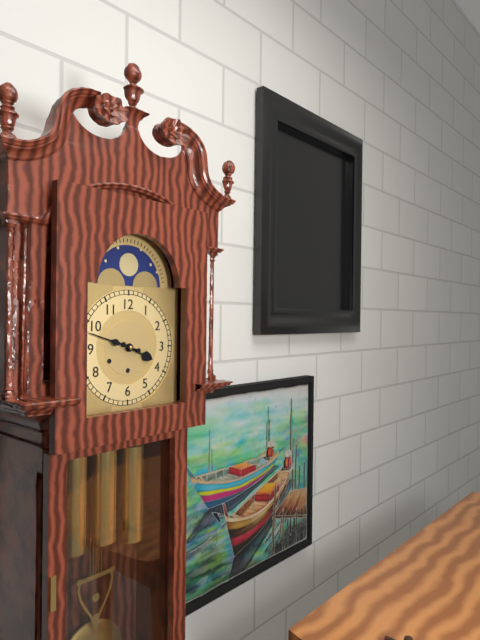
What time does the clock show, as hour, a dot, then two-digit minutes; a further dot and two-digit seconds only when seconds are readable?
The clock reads 3.48
